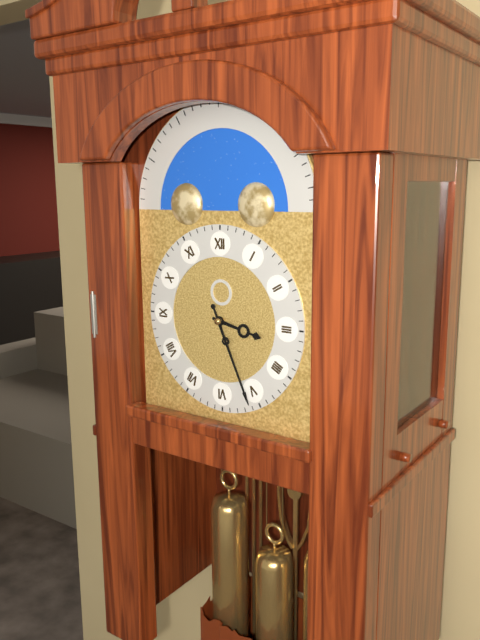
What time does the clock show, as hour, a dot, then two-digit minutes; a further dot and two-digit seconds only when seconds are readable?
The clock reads 3.26
